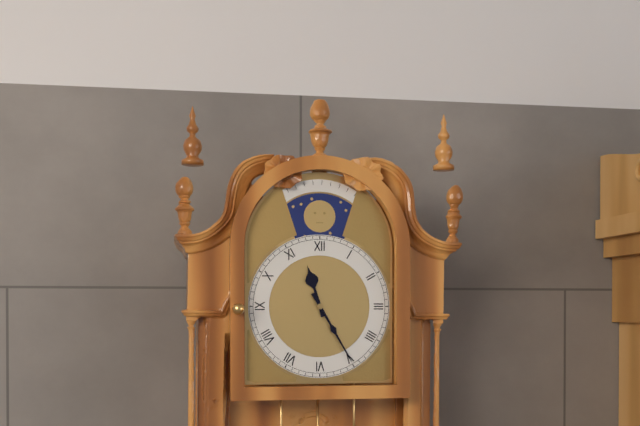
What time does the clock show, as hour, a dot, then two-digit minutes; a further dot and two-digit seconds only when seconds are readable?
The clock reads 11.25
